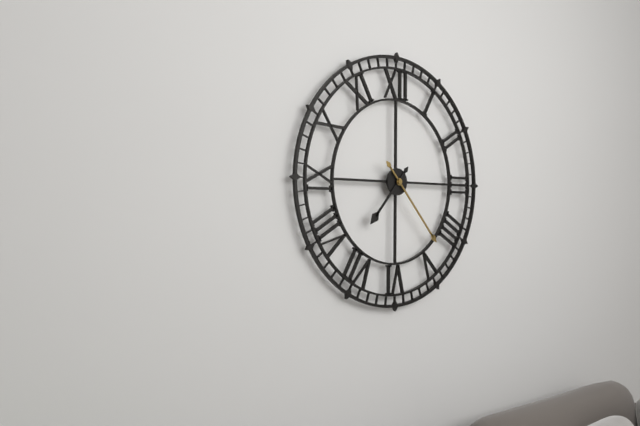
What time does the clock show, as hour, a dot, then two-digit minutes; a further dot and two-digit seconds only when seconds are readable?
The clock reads 7.23
